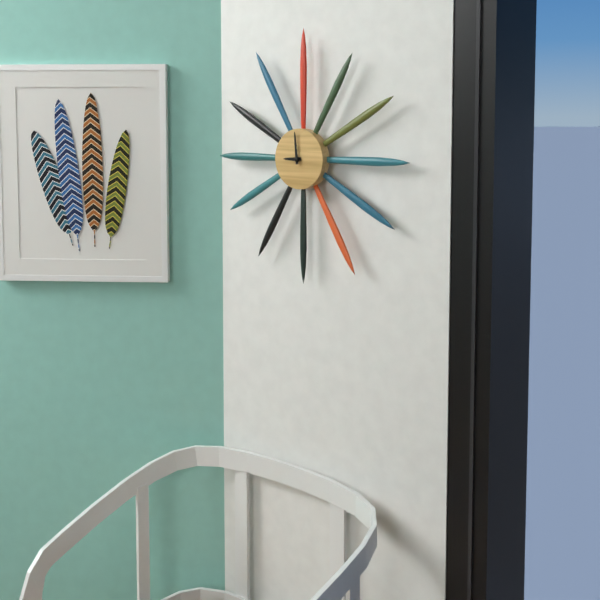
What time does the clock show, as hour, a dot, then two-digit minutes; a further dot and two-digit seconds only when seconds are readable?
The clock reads 8.59
